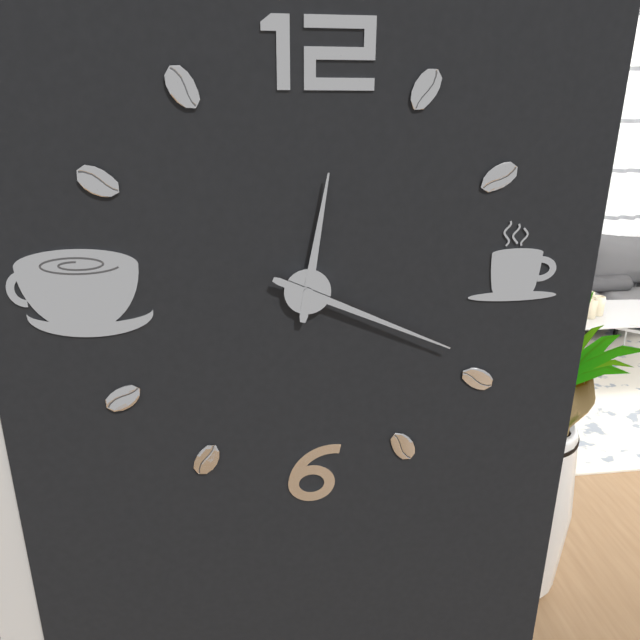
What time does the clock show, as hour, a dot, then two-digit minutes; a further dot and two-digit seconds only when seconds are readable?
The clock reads 12.19
